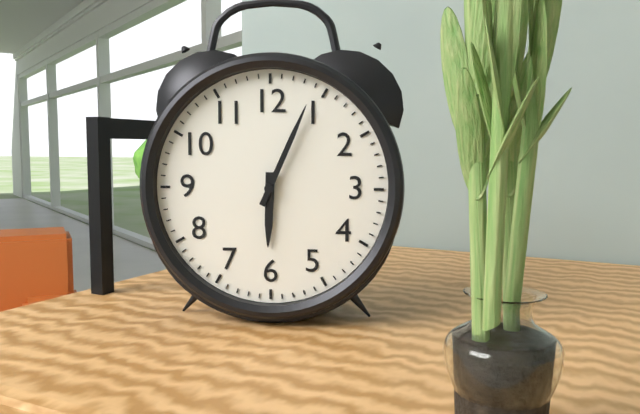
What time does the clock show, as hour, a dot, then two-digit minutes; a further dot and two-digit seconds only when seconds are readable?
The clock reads 6.04
